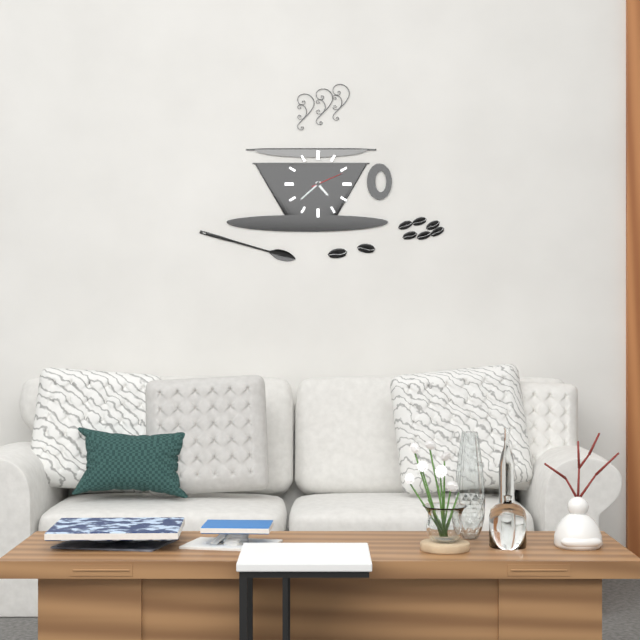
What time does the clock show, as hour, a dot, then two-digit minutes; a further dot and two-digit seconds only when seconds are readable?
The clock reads 4.38
